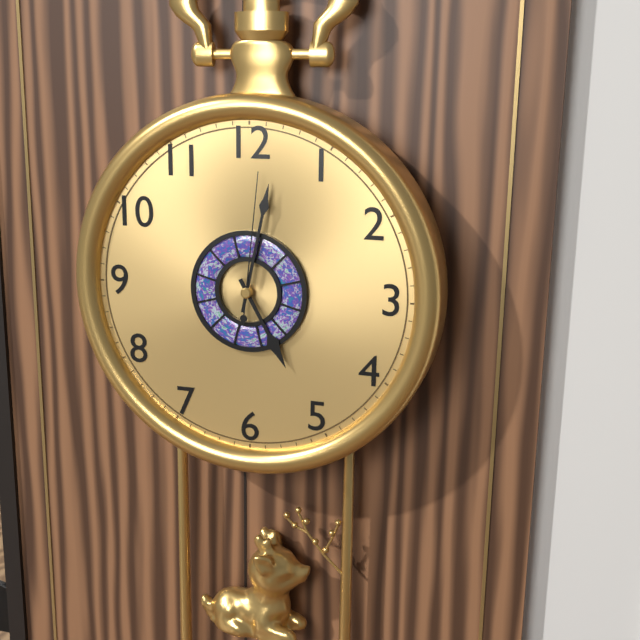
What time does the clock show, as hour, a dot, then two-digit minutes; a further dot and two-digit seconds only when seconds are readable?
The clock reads 5.02.01
